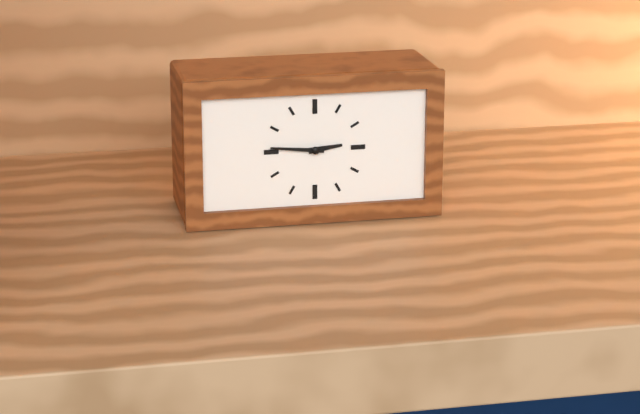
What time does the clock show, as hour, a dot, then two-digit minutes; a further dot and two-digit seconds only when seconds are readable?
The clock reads 2.46
